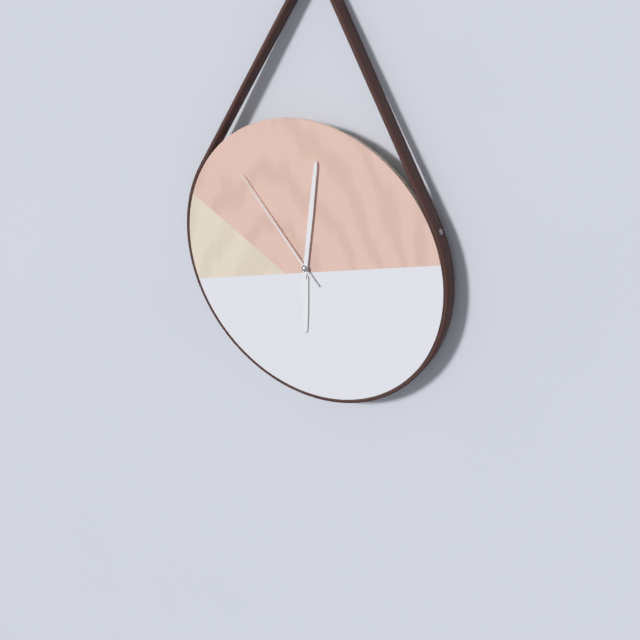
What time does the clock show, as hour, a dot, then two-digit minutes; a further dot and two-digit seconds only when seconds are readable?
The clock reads 6.01.53
